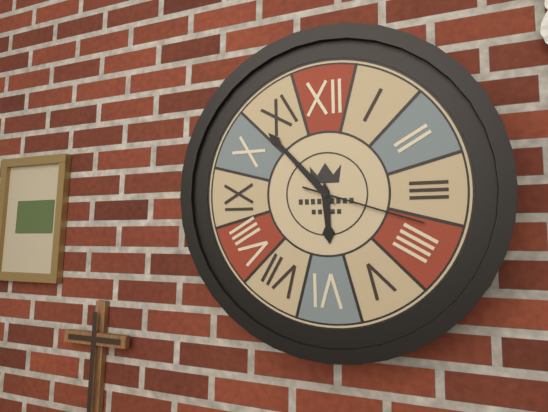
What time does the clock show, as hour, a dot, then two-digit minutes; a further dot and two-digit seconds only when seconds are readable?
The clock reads 5.53.18
